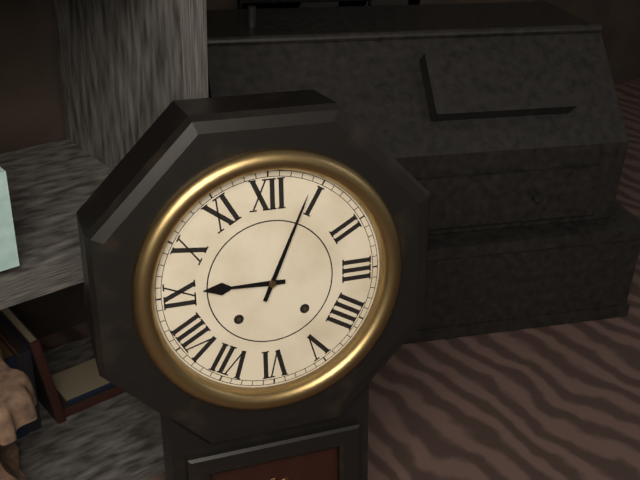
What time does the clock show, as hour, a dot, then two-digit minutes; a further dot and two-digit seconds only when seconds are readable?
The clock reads 9.04
